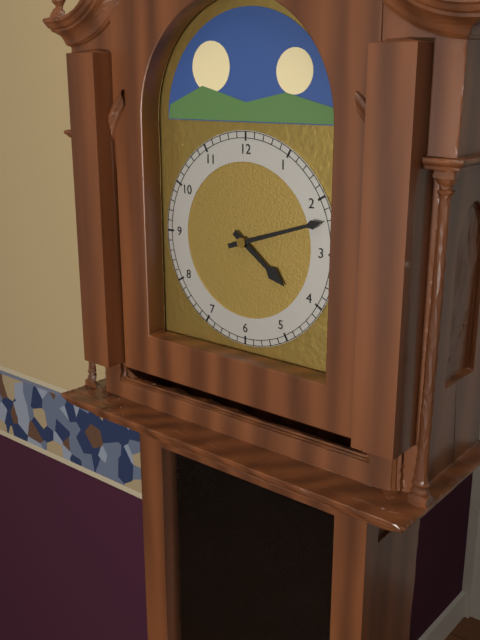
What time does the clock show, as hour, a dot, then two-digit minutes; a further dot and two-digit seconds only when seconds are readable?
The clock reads 4.12
